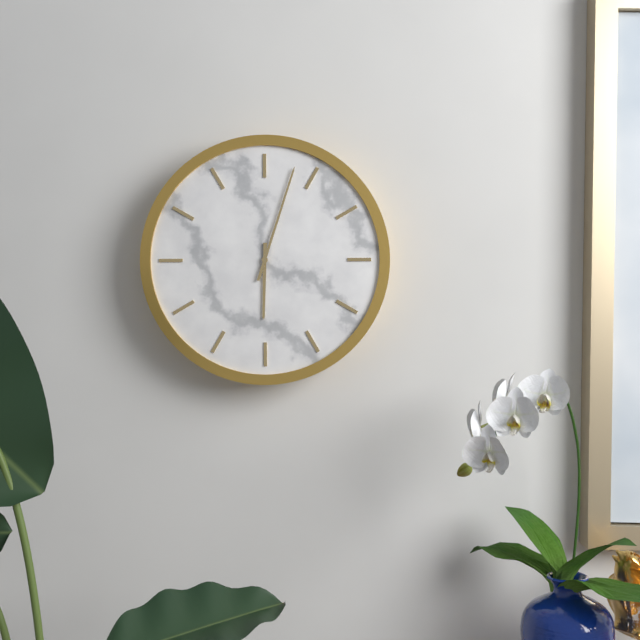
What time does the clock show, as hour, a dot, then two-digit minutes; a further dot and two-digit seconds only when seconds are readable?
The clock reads 6.03
